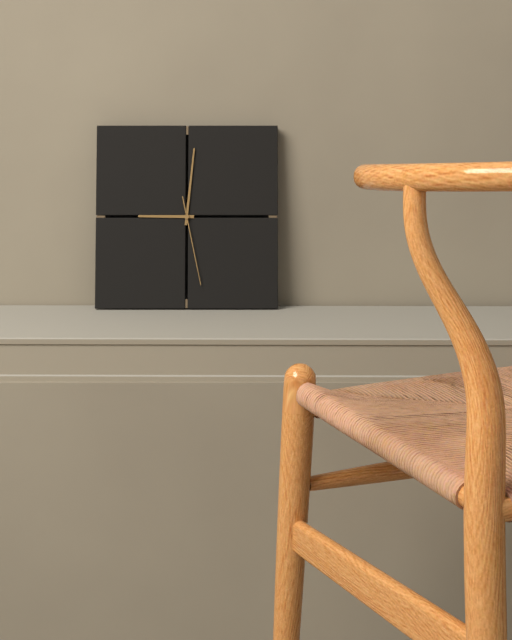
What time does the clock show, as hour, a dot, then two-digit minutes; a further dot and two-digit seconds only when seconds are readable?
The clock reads 9.01.28
